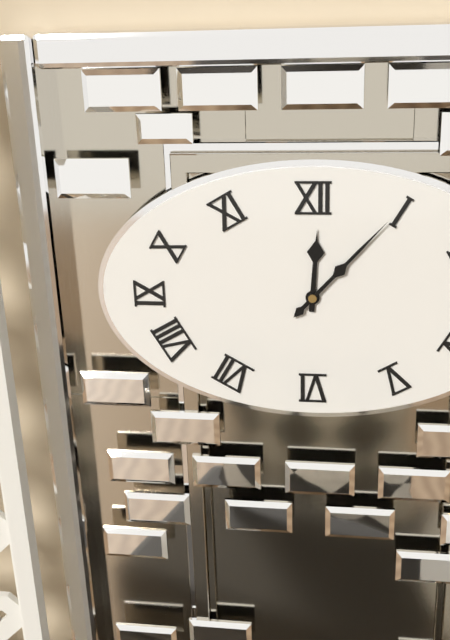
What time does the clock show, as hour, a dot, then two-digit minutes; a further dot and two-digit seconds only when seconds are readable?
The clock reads 12.07
